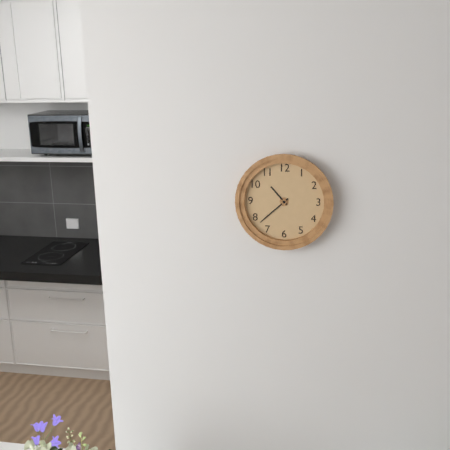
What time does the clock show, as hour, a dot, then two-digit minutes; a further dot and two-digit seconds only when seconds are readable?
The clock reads 10.38
